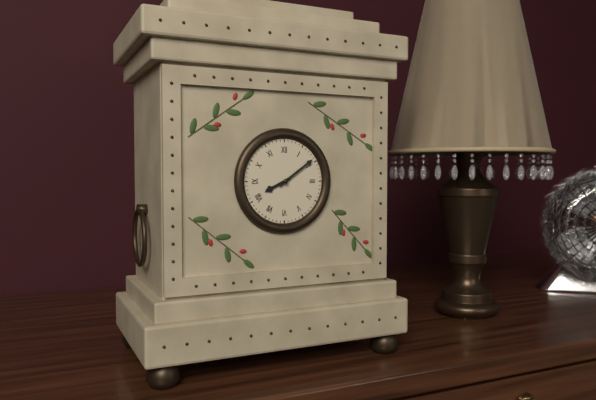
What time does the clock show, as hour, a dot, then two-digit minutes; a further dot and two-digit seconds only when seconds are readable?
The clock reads 8.09
